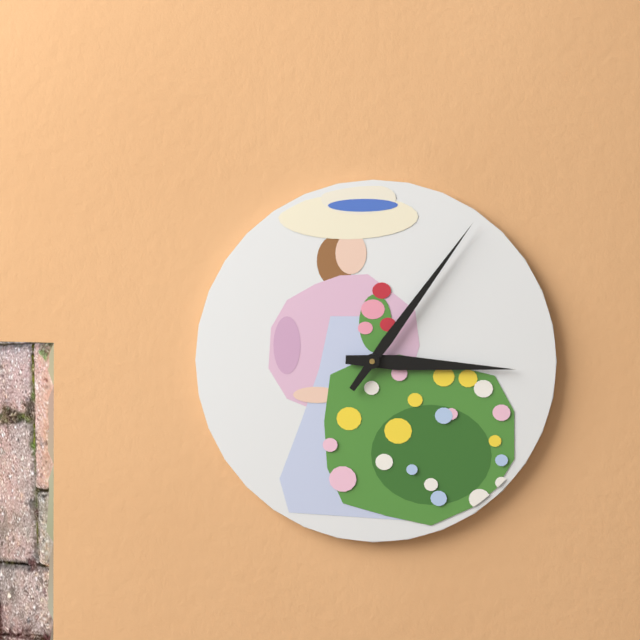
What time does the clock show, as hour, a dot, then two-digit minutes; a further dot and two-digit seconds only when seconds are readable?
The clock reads 3.06
